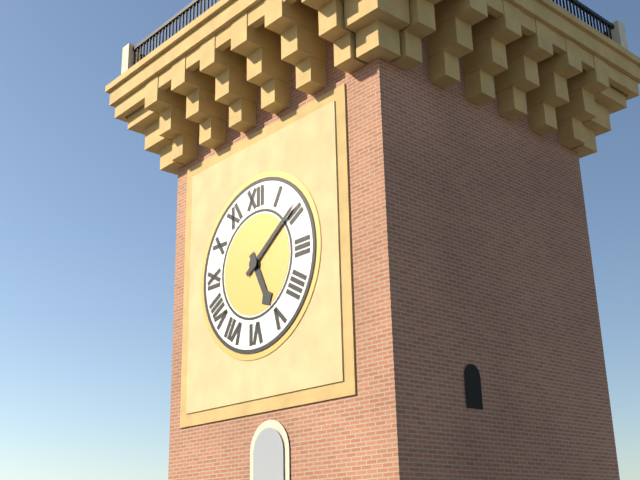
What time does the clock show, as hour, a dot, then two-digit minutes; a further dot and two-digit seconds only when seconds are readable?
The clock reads 5.09
